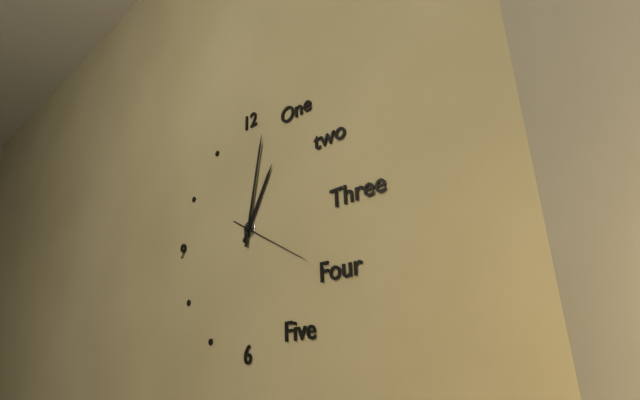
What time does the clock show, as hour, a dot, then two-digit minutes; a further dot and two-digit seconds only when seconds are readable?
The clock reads 1.02.20
